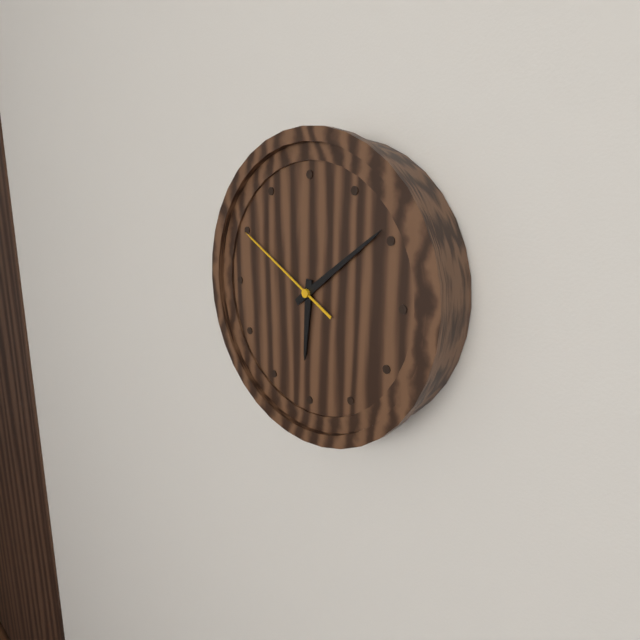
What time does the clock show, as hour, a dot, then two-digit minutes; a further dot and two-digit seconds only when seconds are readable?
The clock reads 6.09.50
